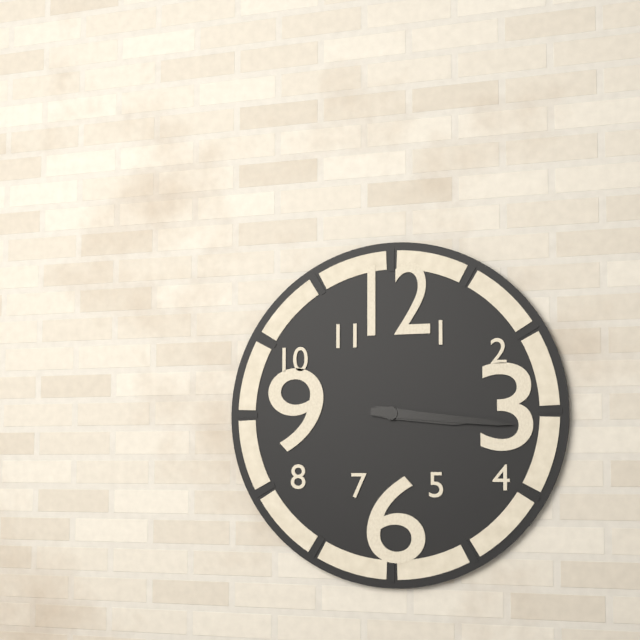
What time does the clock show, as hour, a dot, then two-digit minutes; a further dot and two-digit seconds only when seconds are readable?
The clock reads 3.16
